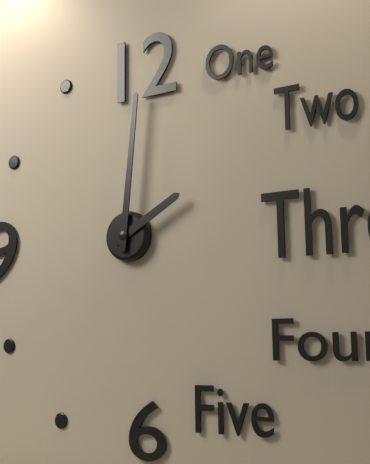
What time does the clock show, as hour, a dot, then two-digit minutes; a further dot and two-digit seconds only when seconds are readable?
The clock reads 2.01
